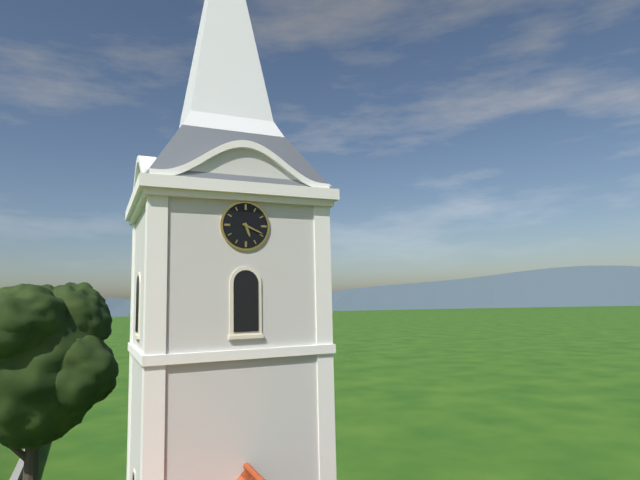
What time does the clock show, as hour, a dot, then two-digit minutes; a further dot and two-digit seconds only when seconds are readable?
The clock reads 5.19
